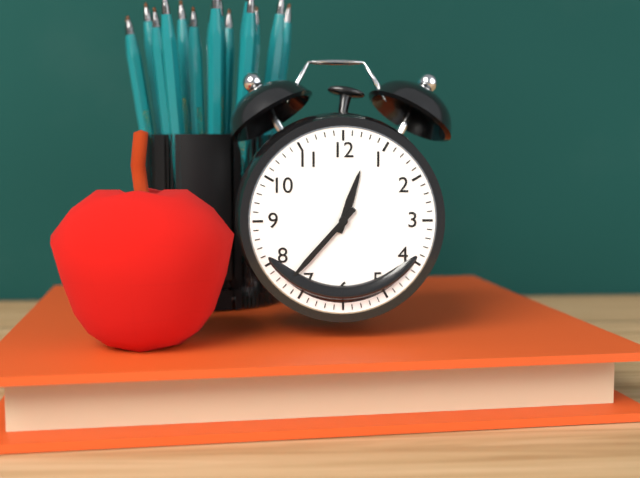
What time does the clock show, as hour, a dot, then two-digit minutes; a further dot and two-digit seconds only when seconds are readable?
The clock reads 12.37
